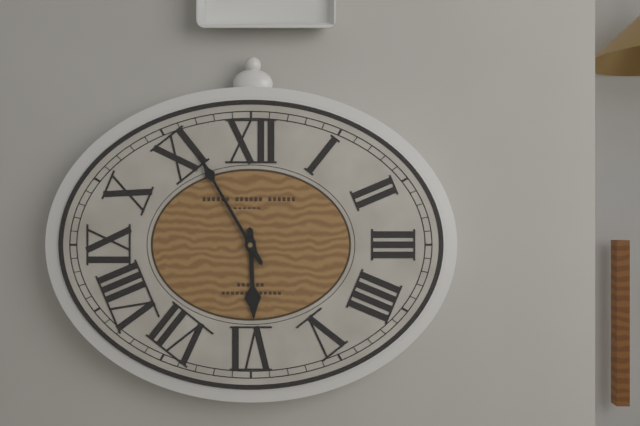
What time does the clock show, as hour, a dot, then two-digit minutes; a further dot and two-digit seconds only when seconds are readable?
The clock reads 5.55
